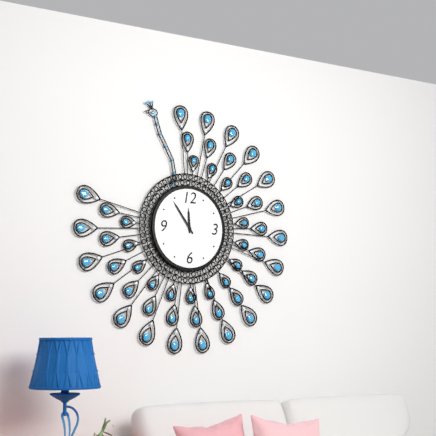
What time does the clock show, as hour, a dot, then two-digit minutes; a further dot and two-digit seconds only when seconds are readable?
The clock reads 11.54
